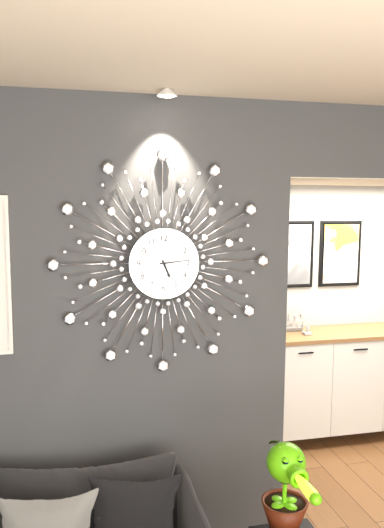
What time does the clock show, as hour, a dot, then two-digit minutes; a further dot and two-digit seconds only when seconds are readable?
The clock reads 5.14
